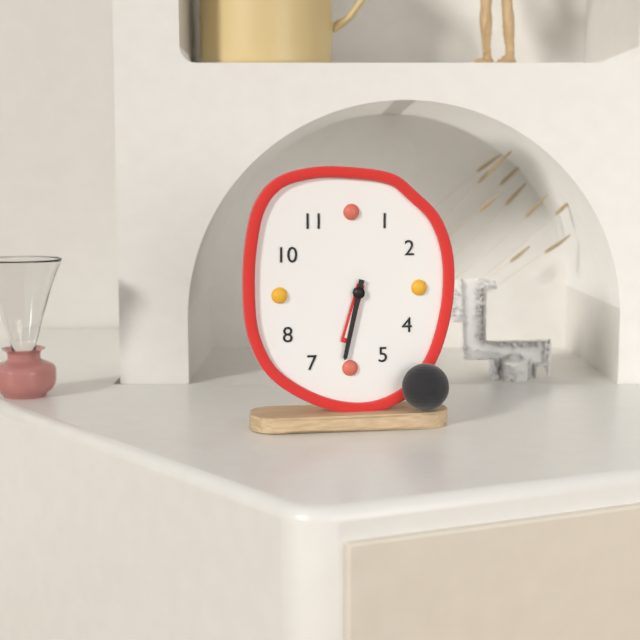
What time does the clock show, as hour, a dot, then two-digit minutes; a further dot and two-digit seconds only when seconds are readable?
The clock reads 6.32
